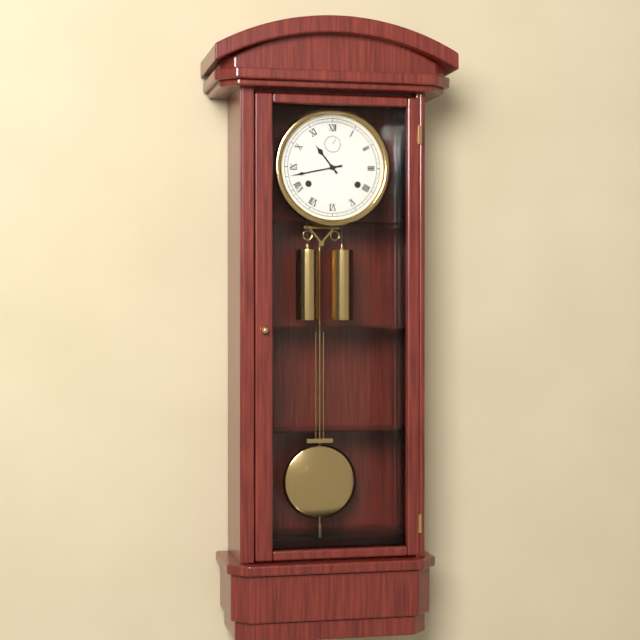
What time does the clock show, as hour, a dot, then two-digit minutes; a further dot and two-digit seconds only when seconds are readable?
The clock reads 10.43
